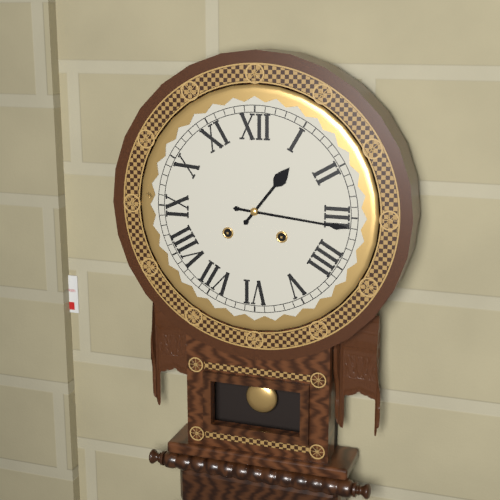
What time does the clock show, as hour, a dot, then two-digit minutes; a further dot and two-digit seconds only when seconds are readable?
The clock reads 1.16
